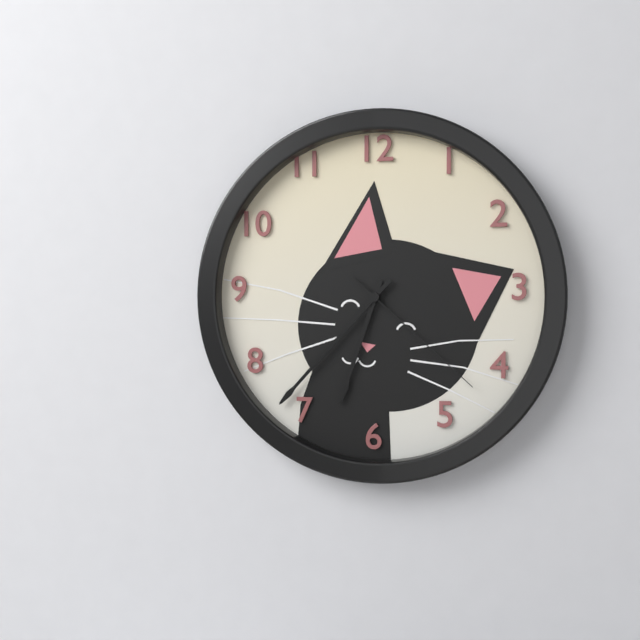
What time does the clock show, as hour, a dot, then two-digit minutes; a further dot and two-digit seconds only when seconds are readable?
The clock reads 6.37.22
